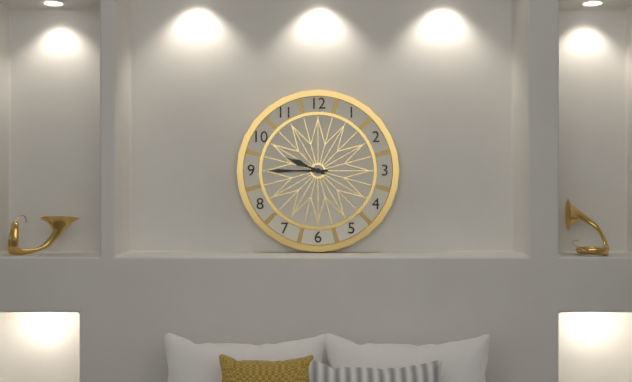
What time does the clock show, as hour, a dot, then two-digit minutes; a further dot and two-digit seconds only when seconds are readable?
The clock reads 9.45
